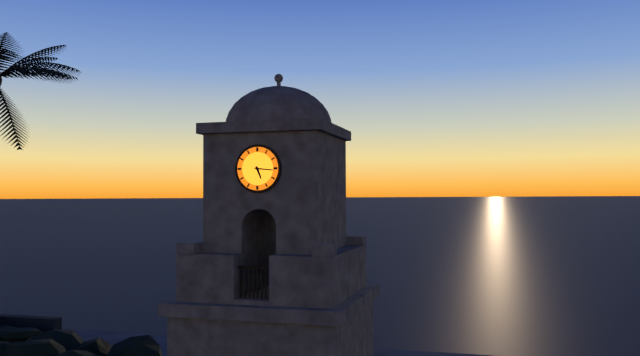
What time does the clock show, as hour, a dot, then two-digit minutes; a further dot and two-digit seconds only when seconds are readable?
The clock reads 5.16
